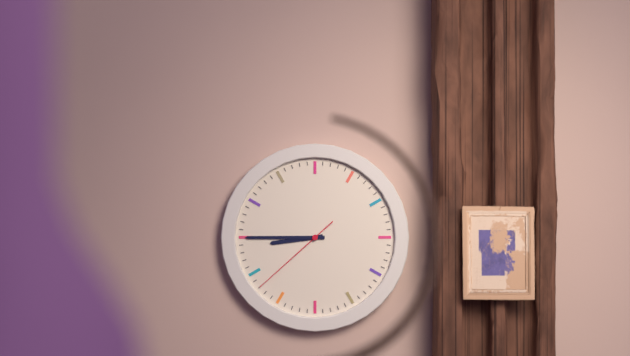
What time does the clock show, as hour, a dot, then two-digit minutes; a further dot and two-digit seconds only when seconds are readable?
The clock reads 8.45.38
